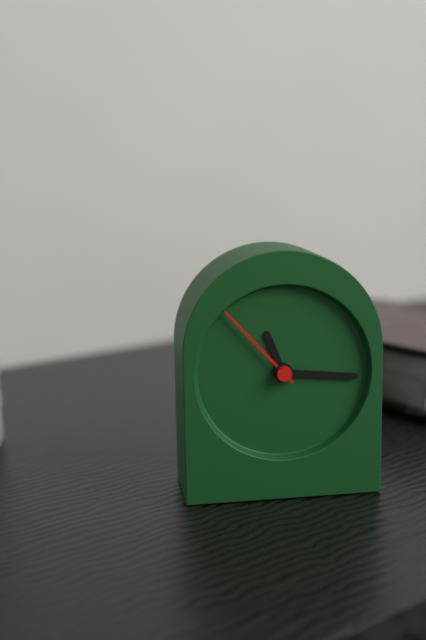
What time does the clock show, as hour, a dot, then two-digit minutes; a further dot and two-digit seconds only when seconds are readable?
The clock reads 11.16.53
